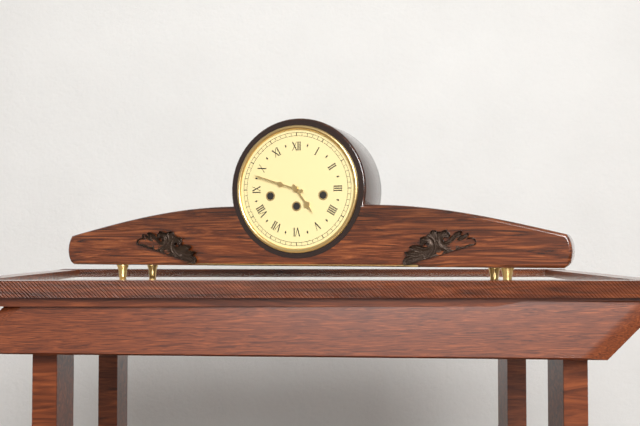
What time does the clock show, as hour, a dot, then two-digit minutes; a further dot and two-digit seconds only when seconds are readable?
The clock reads 4.48
